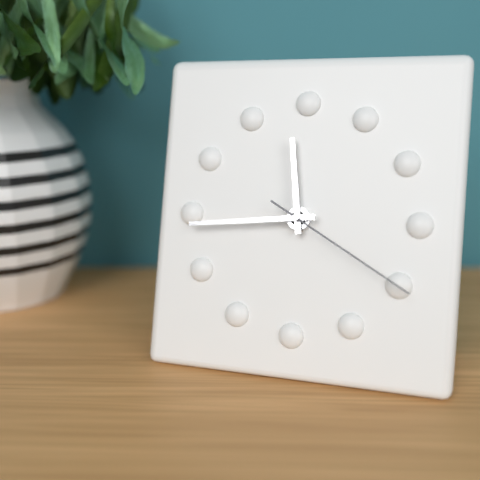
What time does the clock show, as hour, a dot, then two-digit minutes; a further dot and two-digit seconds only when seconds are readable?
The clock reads 11.44.20
